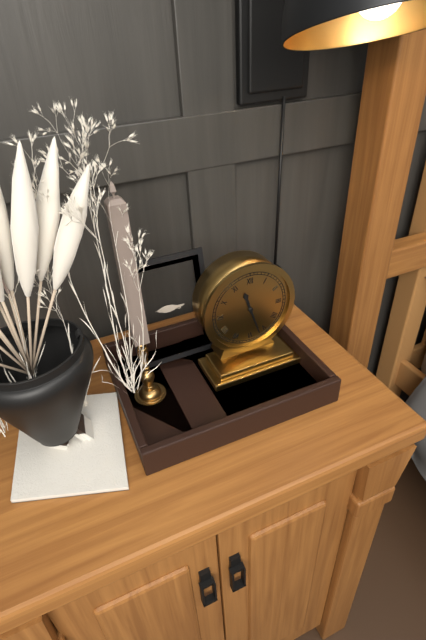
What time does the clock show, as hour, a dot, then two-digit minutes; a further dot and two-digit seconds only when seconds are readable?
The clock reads 11.27
